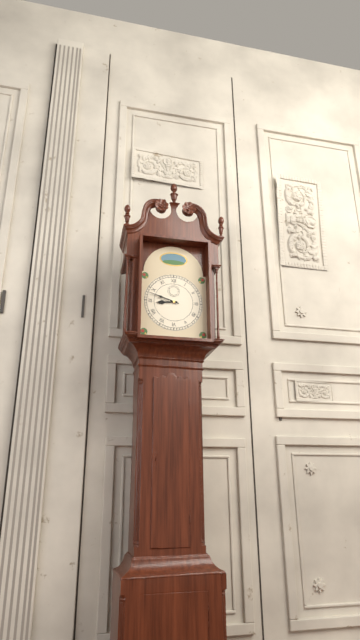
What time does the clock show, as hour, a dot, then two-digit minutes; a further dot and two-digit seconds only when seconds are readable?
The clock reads 8.48
